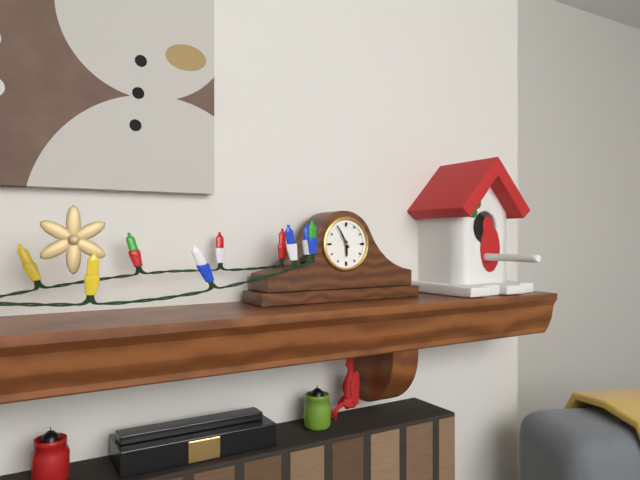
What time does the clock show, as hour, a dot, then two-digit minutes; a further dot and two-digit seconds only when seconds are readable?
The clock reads 5.55
